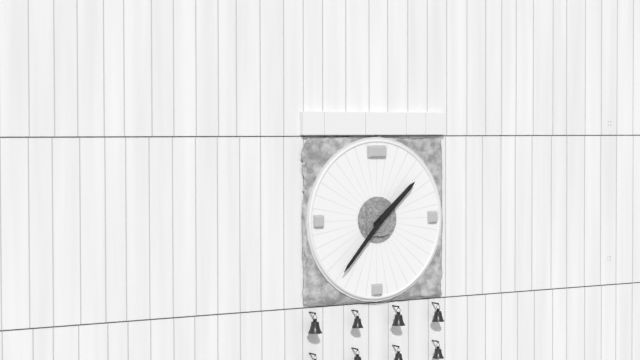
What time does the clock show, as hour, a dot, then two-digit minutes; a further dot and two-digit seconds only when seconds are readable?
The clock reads 1.37
